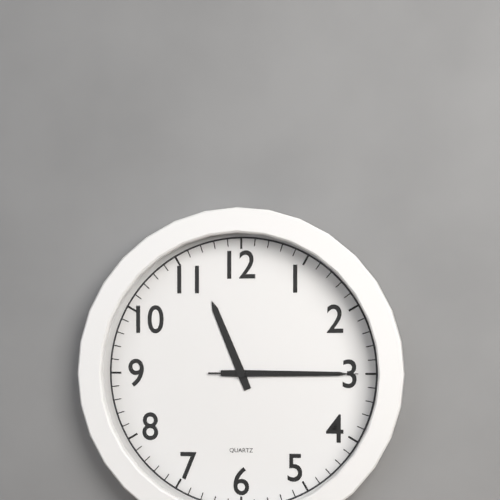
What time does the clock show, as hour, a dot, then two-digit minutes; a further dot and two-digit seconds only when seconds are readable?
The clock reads 11.15.15
